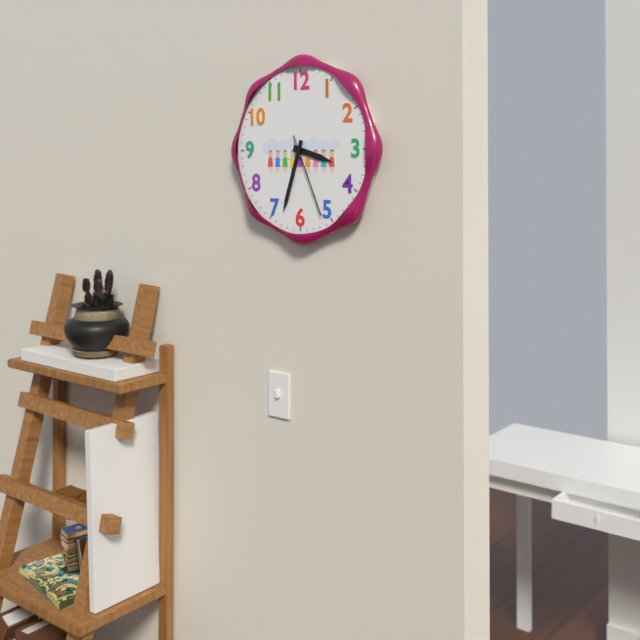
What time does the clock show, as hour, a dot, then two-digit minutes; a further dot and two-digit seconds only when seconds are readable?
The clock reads 3.33.26
